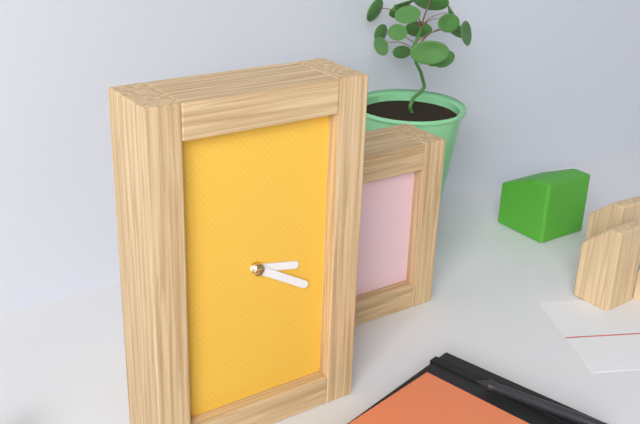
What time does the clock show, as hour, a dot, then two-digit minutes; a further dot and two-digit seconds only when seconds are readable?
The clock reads 3.20
